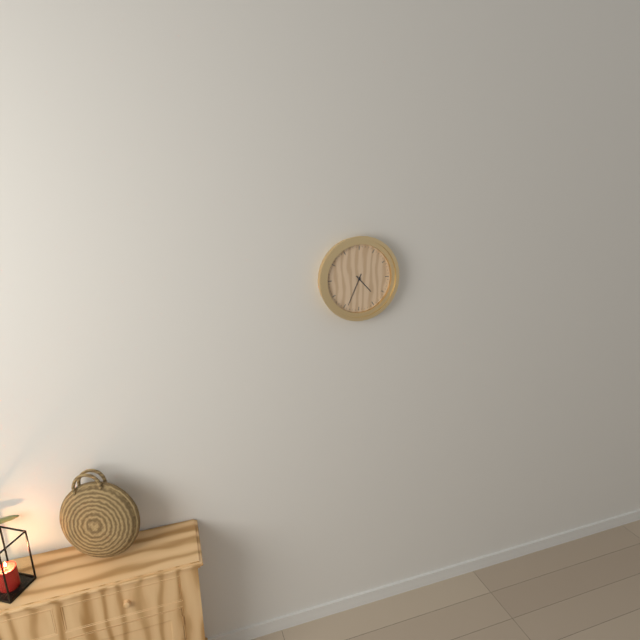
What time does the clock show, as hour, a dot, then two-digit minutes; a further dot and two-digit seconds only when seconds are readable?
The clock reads 4.34
